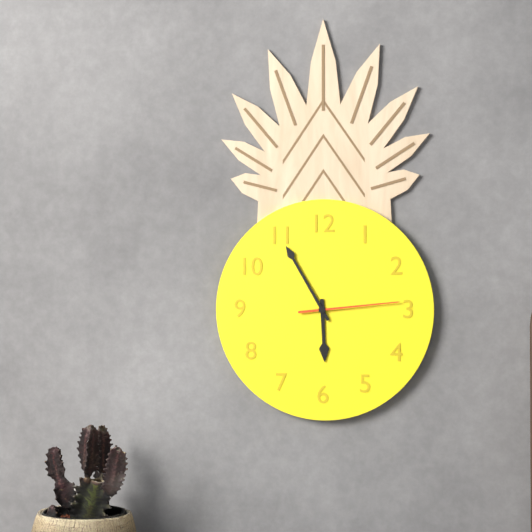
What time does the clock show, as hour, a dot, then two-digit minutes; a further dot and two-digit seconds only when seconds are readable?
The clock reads 5.55.14
